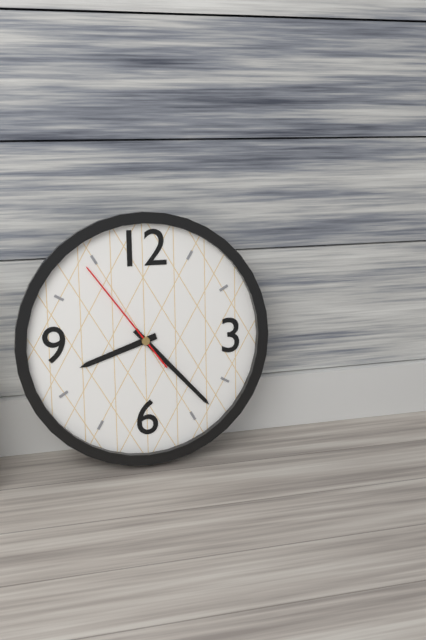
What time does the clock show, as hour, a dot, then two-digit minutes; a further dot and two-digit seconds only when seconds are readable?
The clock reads 8.23.54
